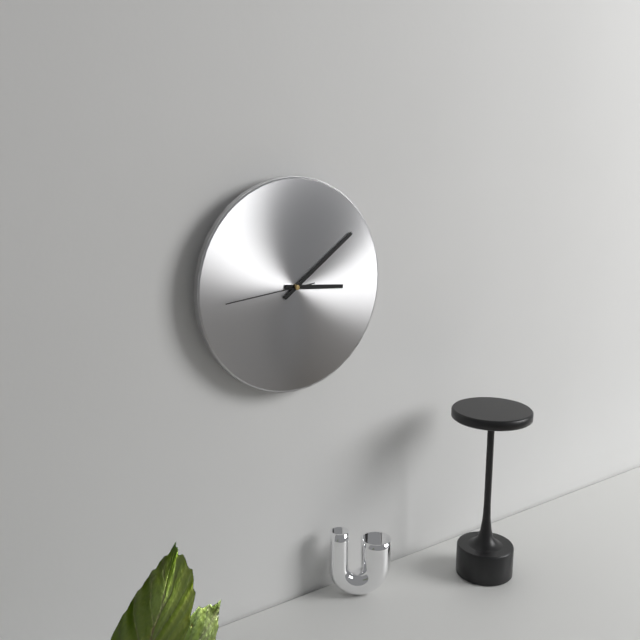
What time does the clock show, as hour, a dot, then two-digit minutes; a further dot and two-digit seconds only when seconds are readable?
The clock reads 3.09.44
